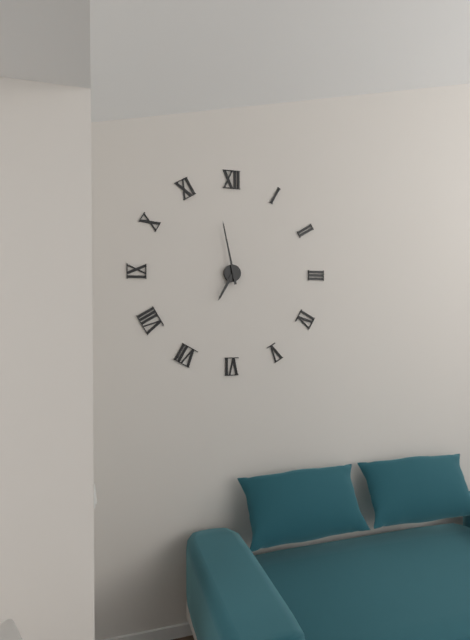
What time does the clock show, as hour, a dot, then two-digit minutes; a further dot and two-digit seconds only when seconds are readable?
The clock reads 6.58
